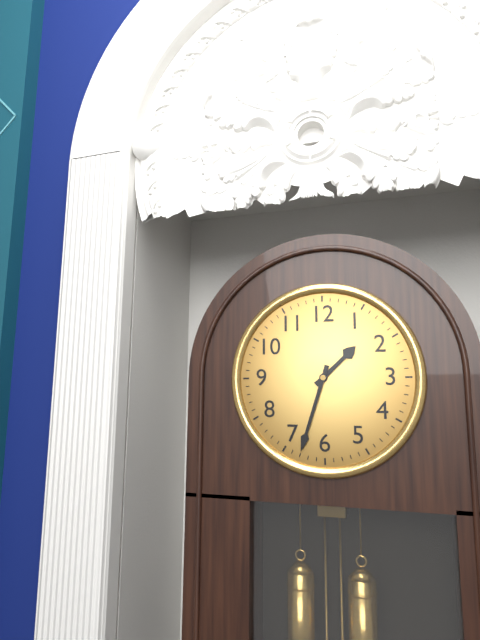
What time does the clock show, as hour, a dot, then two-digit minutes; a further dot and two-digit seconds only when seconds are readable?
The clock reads 1.33
